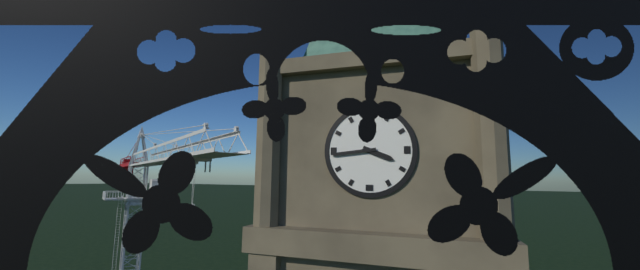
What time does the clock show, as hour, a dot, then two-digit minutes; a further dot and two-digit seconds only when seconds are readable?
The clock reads 3.44
